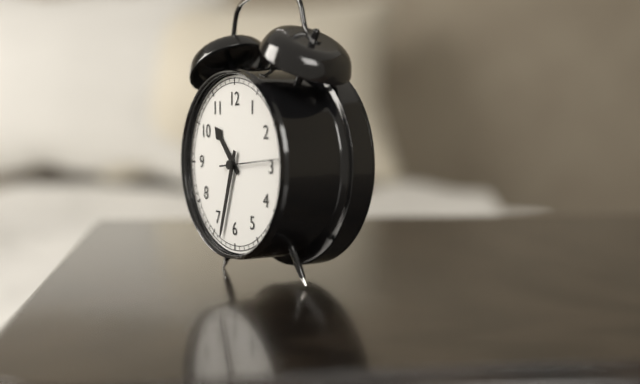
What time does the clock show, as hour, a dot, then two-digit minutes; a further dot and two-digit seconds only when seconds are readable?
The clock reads 10.33.14
